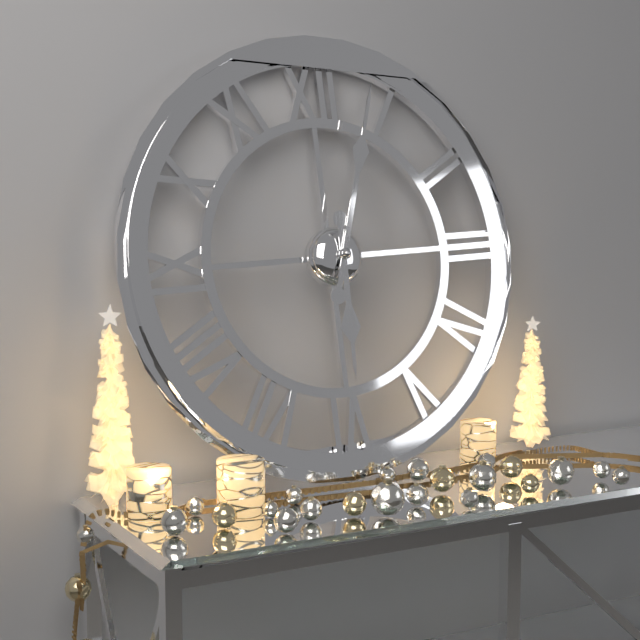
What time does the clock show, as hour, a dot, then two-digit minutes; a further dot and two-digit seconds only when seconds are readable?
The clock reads 6.03
